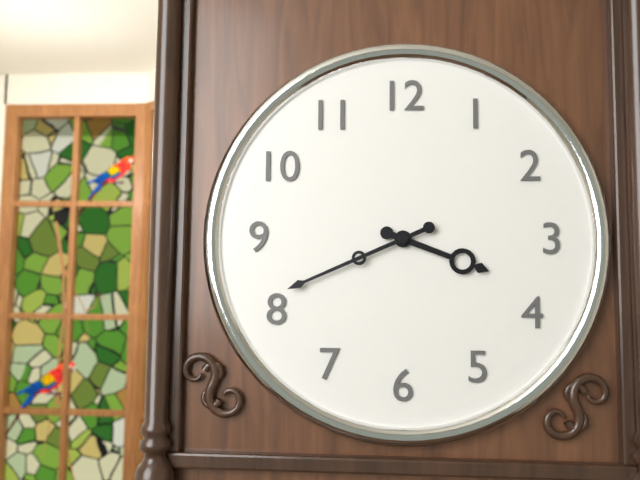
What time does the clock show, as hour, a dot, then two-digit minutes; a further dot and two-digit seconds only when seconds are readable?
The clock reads 3.41
